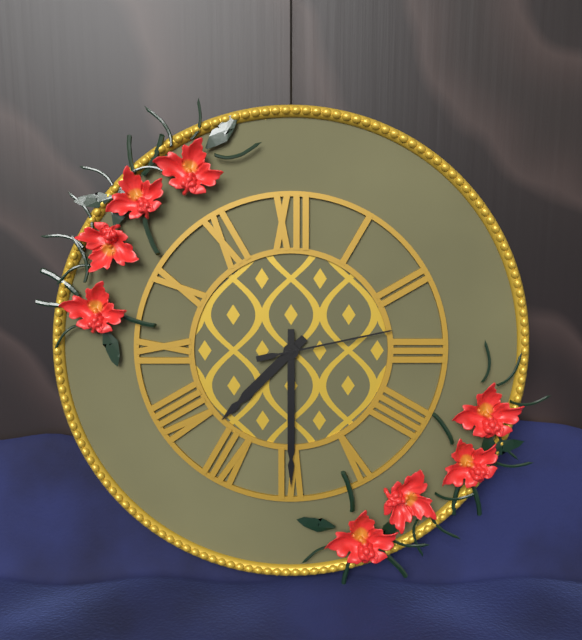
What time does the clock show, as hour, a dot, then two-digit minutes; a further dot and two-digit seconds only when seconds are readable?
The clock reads 7.30.13
